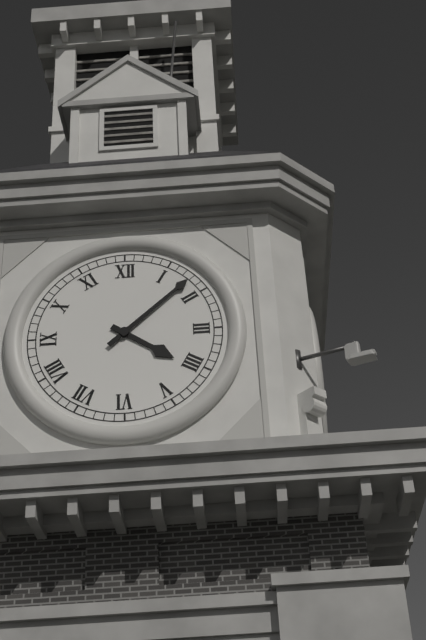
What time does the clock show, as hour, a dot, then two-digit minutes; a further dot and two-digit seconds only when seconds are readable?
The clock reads 4.08
